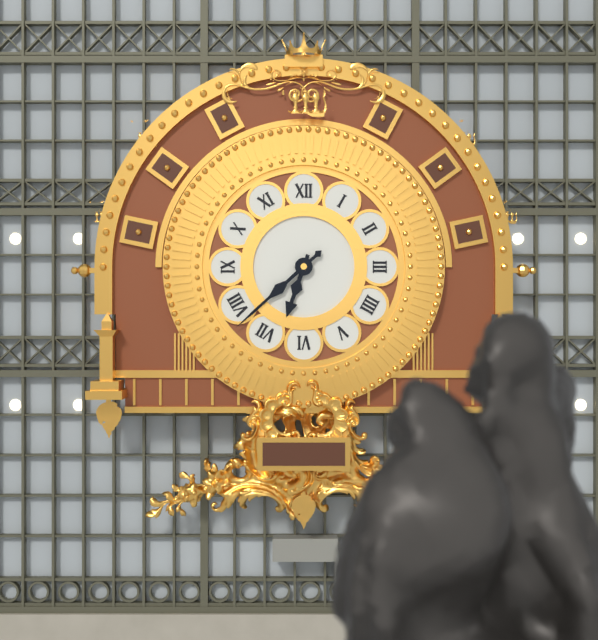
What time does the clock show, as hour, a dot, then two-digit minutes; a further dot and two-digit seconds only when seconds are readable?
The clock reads 6.38
